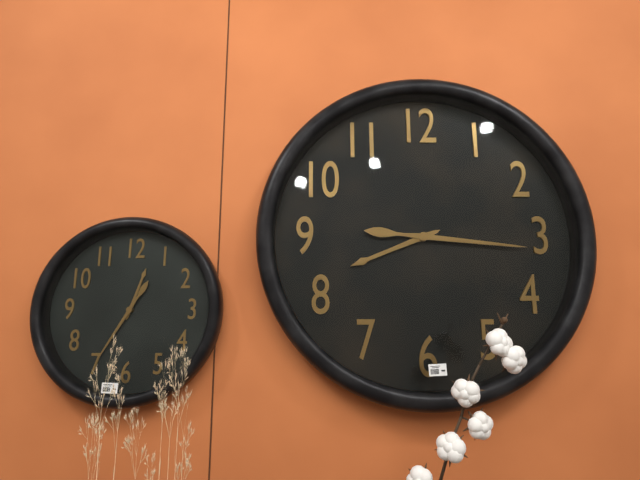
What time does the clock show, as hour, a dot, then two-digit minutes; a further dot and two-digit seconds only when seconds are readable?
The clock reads 8.16
